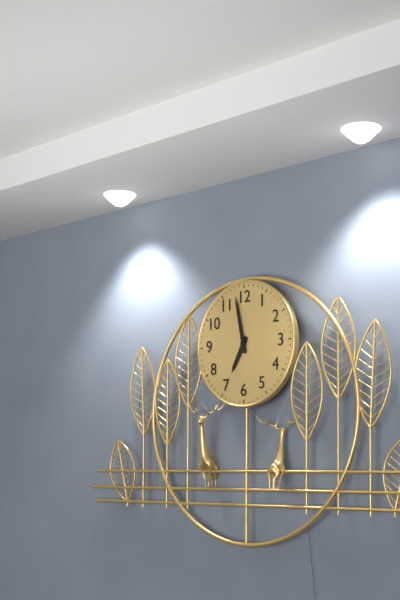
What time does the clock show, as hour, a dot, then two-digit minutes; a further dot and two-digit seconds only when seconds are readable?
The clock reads 6.58
